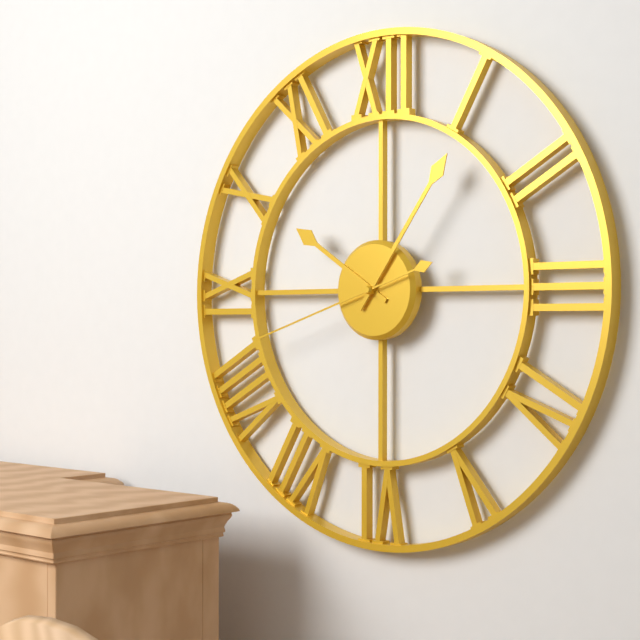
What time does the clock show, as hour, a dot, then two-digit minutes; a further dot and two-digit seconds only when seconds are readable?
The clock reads 10.06.42
